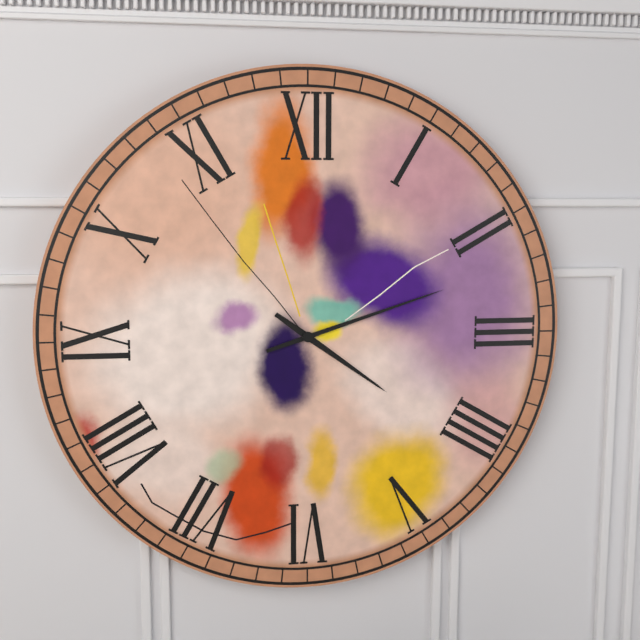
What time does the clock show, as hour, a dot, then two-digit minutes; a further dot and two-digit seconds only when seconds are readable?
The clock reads 4.12
